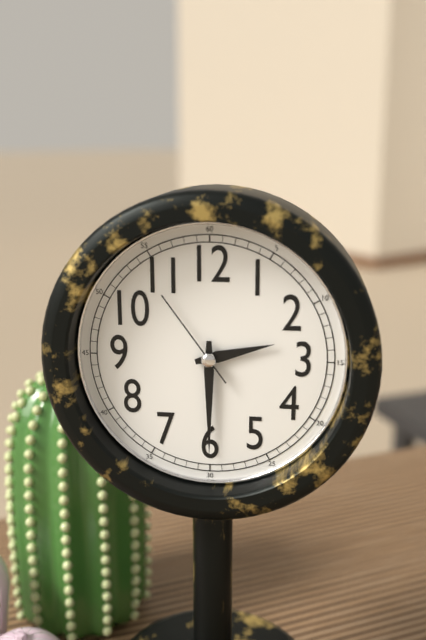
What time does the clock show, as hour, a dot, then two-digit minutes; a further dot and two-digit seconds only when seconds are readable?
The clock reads 2.30.54
